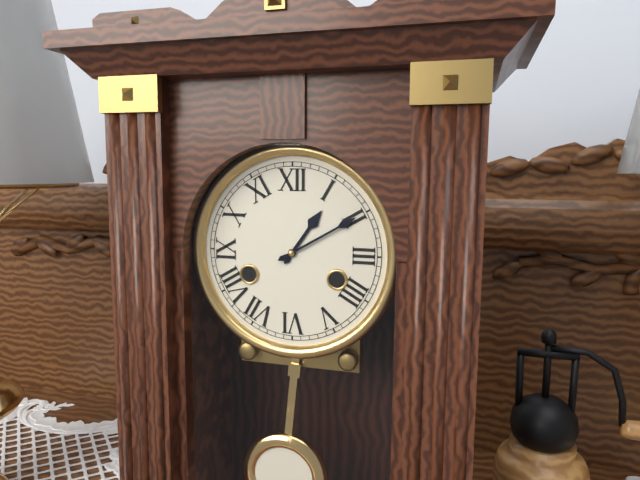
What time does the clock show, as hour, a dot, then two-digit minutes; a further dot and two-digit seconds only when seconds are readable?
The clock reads 1.10
